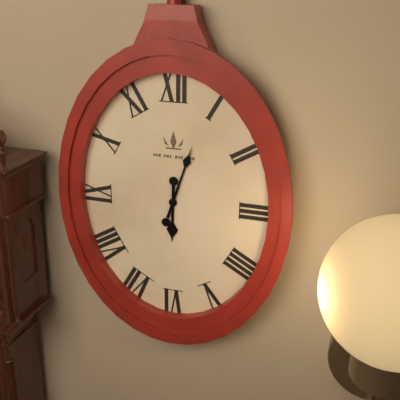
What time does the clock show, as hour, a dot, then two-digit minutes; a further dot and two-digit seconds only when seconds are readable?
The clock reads 6.03
